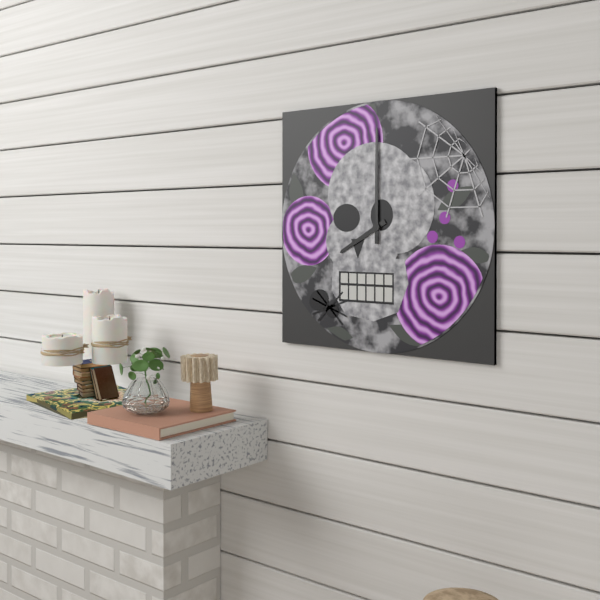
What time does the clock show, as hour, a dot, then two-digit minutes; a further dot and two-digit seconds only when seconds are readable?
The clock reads 8.00
